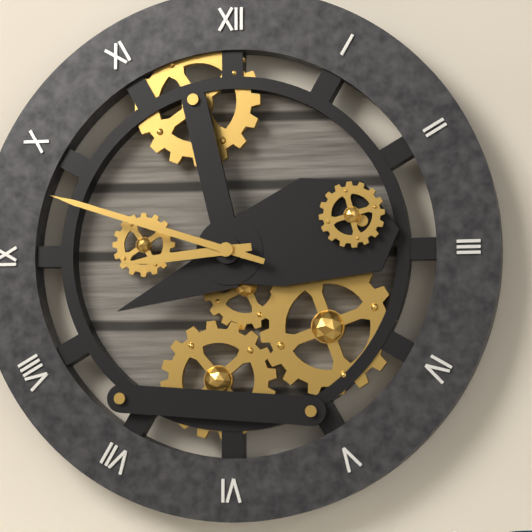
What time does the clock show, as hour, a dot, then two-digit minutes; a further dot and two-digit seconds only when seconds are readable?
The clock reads 8.48
